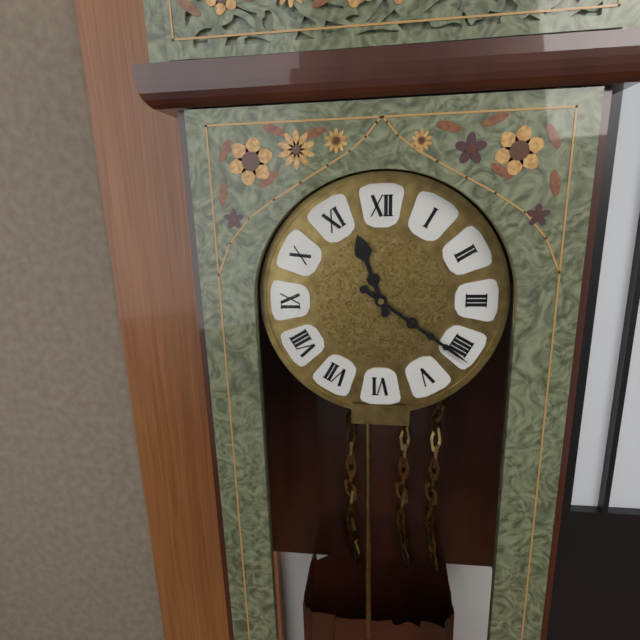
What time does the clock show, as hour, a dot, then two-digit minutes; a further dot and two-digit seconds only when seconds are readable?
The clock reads 11.21
